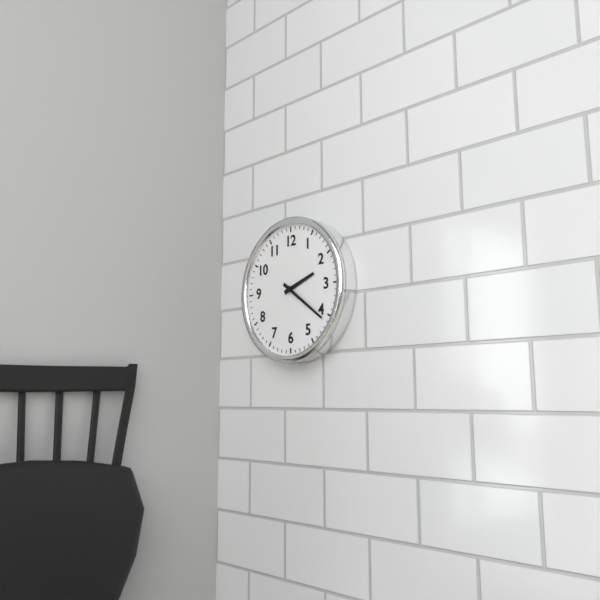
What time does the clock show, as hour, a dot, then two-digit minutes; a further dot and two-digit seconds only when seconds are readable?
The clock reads 2.21
